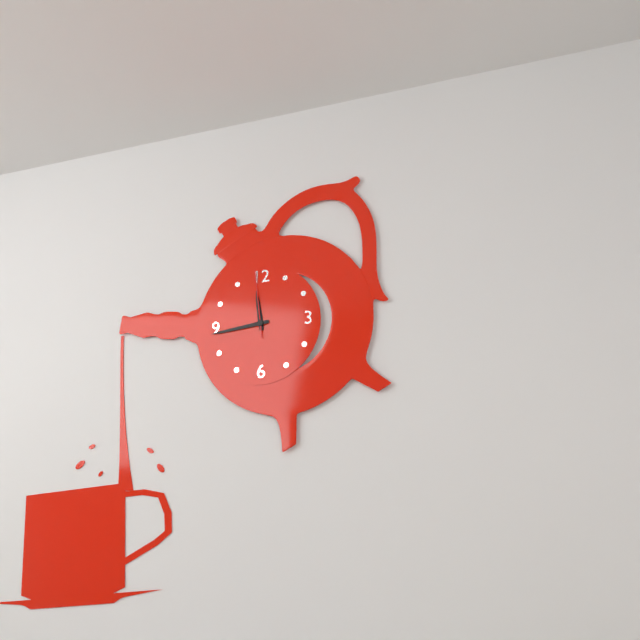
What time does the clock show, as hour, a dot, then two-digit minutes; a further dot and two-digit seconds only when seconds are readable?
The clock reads 11.44.59
